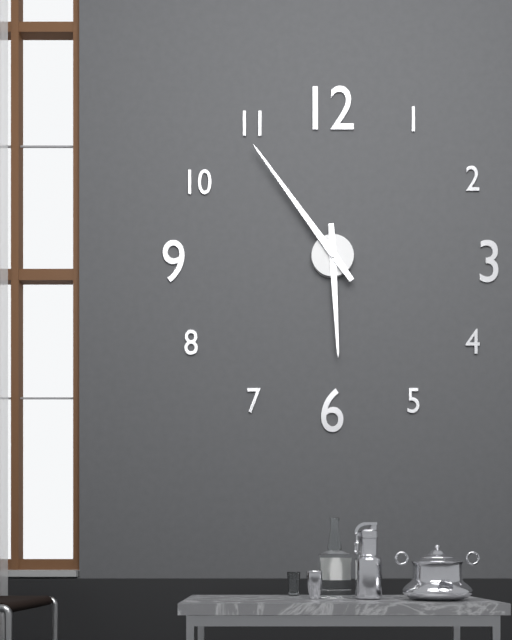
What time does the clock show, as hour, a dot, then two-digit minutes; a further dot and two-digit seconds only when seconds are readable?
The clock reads 5.54
